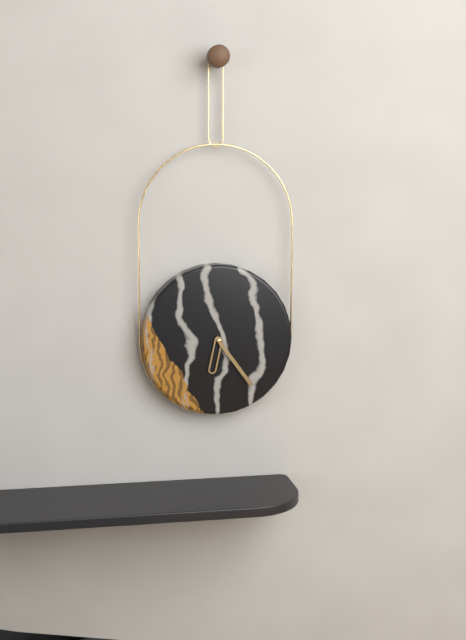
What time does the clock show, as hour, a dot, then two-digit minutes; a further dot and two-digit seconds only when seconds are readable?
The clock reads 6.24
